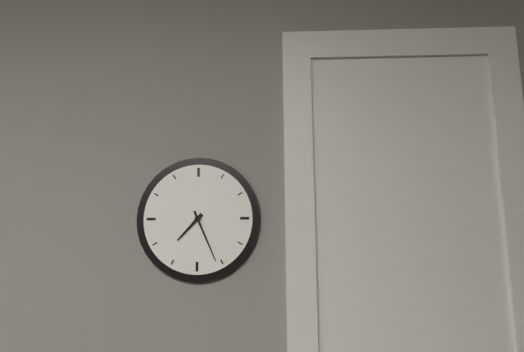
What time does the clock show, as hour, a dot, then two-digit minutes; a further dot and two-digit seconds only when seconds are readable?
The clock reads 7.26
